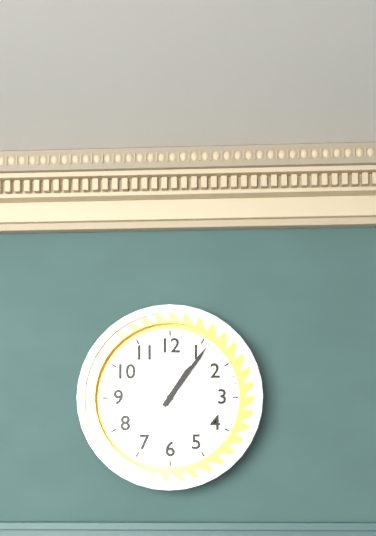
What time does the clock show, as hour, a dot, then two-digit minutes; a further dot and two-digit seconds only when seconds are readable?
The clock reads 1.06
